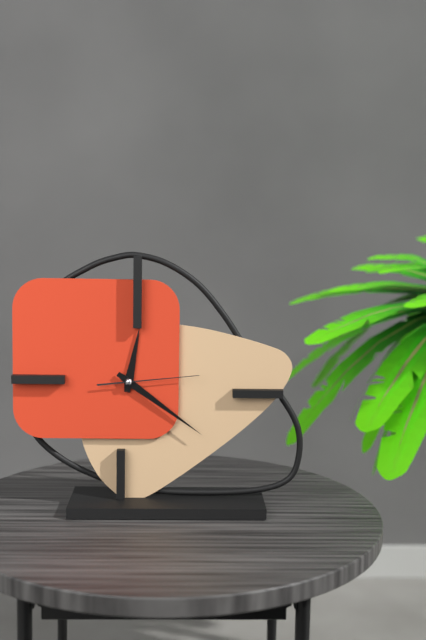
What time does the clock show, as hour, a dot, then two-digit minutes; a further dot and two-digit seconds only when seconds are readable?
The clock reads 12.21.14
